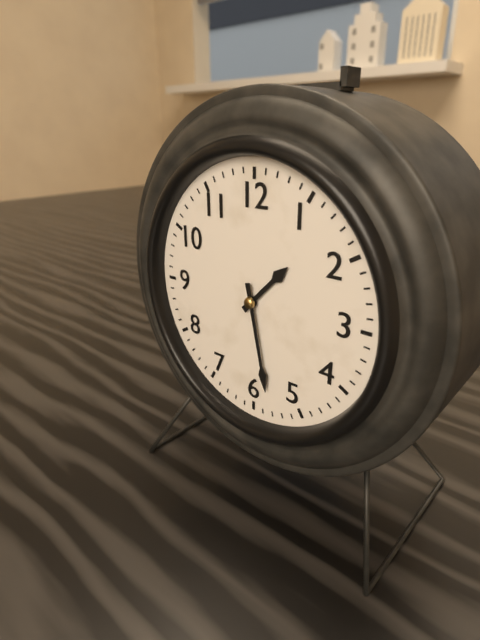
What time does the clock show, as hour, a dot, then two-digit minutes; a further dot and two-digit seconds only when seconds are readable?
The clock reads 1.28
